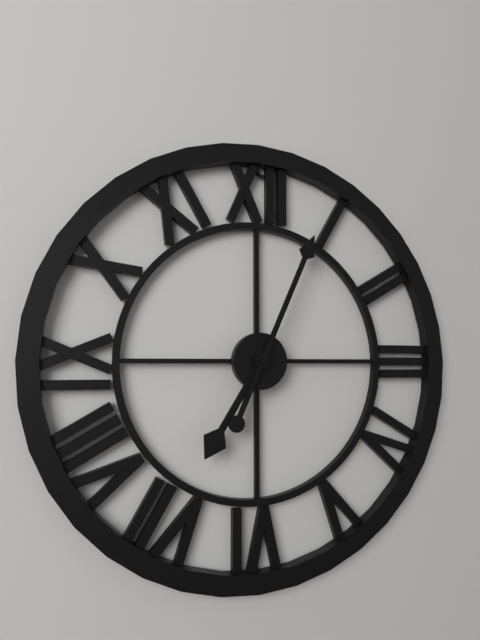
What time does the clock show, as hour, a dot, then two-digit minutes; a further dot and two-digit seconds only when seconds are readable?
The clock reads 7.04
